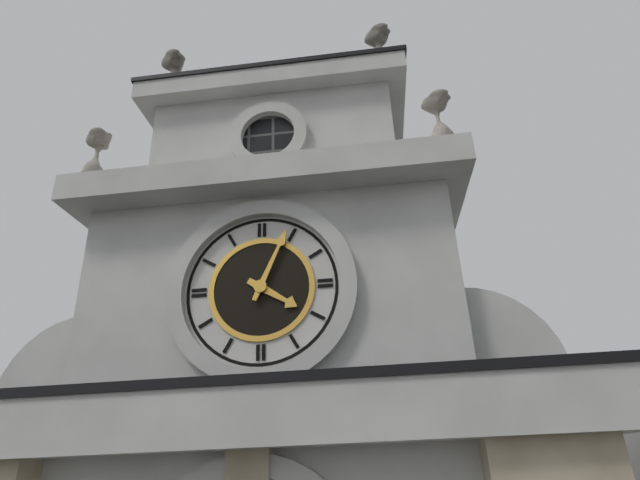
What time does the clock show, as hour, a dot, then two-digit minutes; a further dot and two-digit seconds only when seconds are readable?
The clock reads 4.04
